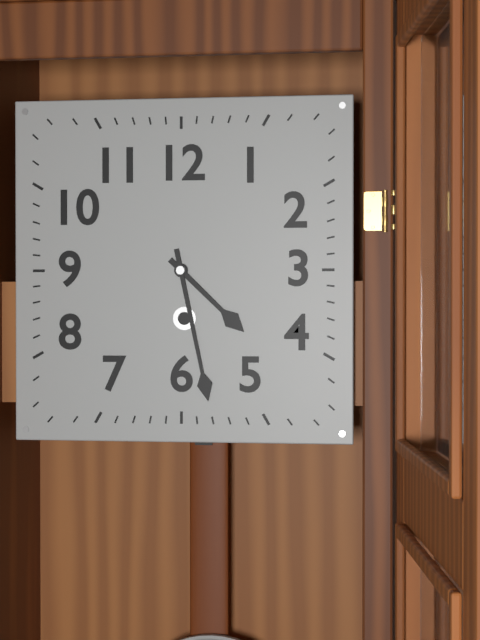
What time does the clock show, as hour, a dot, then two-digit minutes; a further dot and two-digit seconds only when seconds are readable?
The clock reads 4.28
